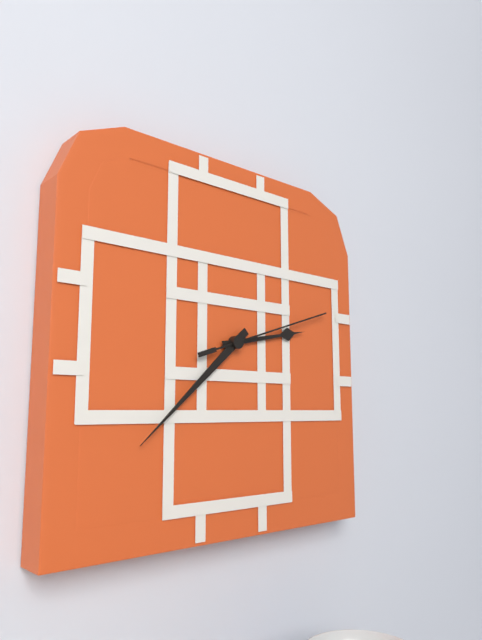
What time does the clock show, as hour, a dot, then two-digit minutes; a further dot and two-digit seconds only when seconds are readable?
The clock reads 2.38.12
